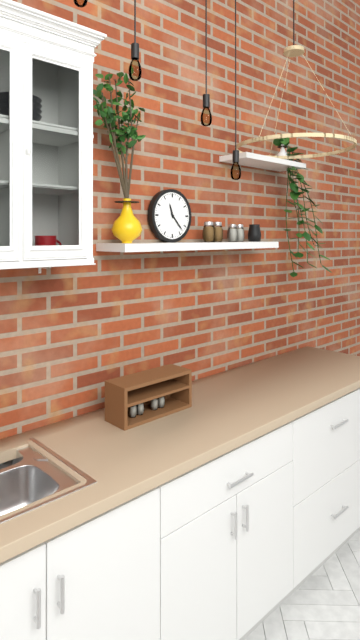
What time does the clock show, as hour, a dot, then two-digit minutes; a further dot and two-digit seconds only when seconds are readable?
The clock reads 11.23
